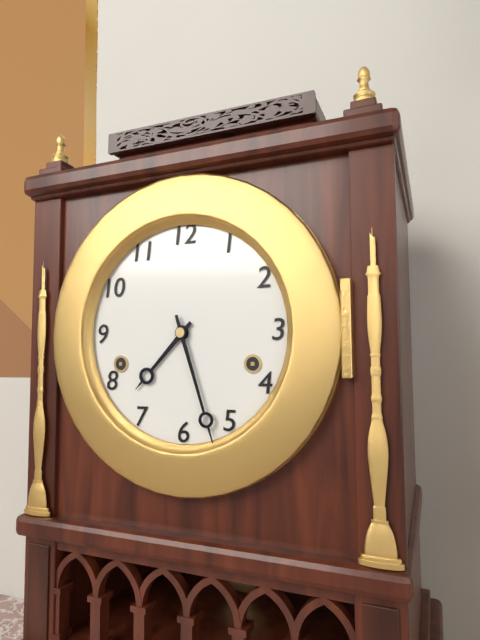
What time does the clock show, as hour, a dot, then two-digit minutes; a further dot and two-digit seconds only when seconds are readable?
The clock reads 7.27
